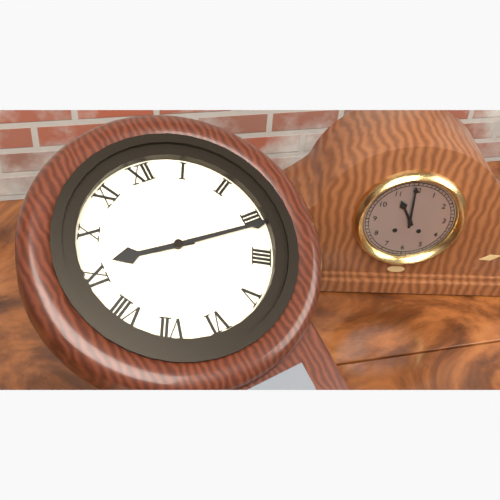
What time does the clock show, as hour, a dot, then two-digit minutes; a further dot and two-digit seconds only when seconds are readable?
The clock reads 9.16
